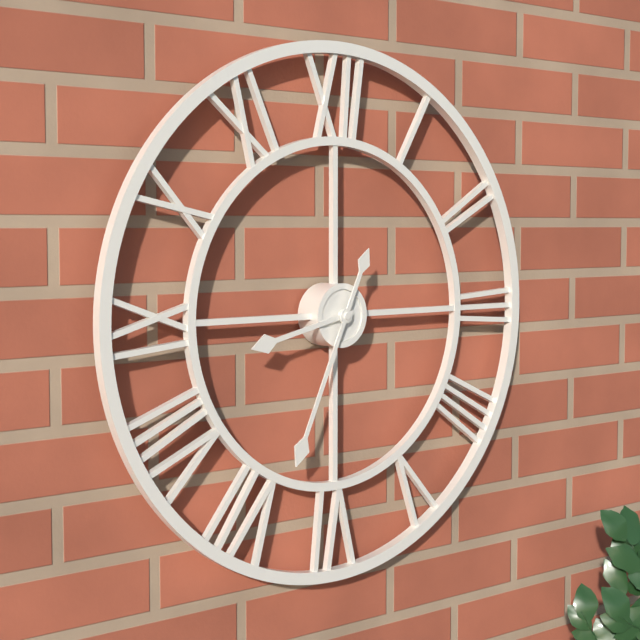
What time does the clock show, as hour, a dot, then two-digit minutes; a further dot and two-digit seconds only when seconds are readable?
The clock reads 8.34
